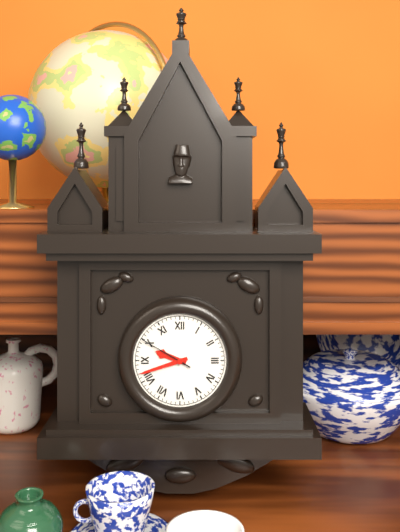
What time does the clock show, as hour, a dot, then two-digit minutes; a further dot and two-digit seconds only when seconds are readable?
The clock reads 9.42.50
